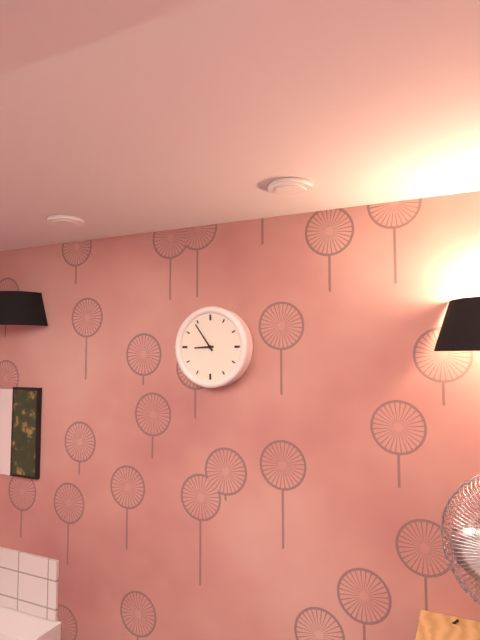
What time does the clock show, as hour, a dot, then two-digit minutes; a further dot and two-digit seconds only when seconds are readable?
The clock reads 8.54
